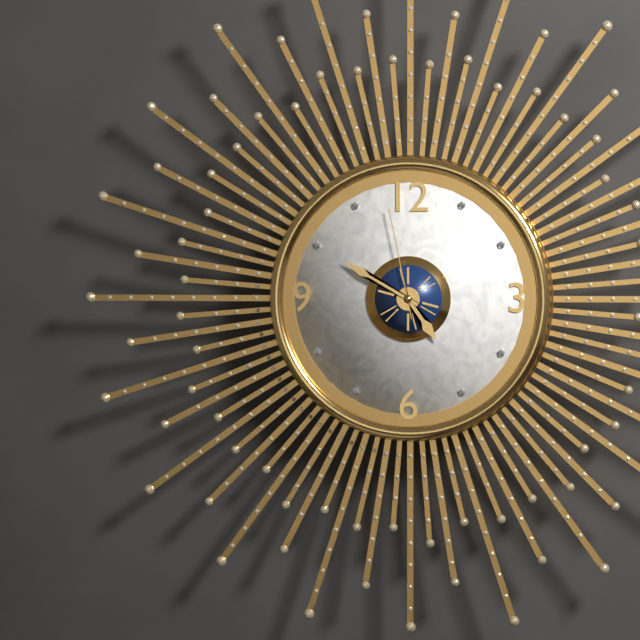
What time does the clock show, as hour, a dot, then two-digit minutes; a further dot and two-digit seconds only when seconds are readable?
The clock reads 4.50.58
